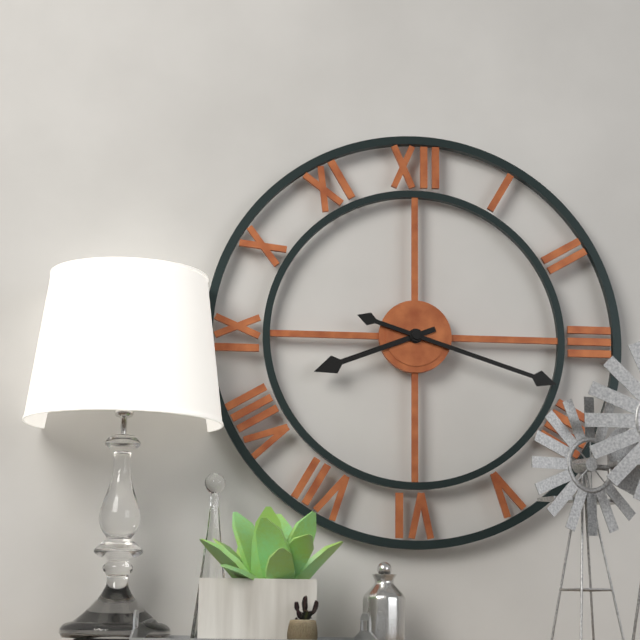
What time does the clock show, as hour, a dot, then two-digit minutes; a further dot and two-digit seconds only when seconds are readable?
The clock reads 8.18
